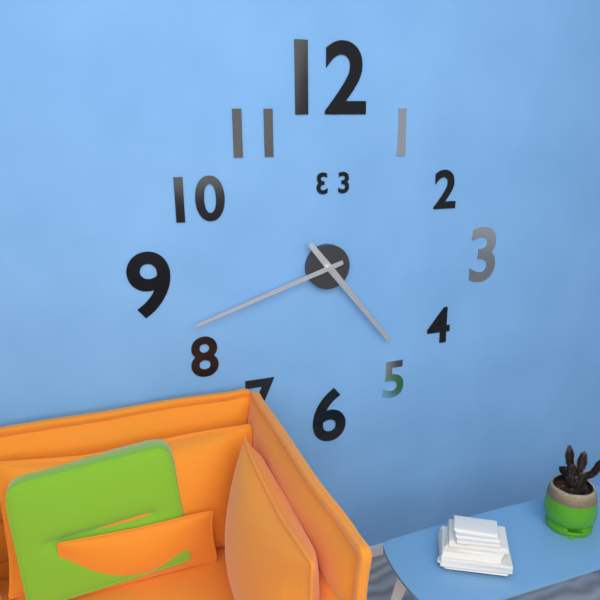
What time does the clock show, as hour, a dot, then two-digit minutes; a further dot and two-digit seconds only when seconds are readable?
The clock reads 4.42
